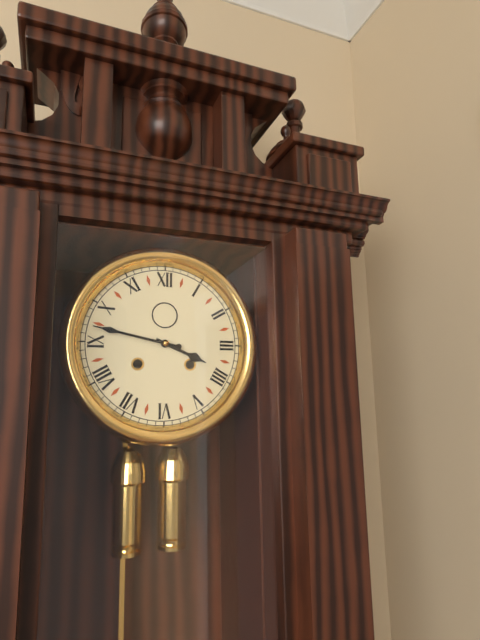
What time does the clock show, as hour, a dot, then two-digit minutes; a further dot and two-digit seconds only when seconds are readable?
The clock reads 3.47
